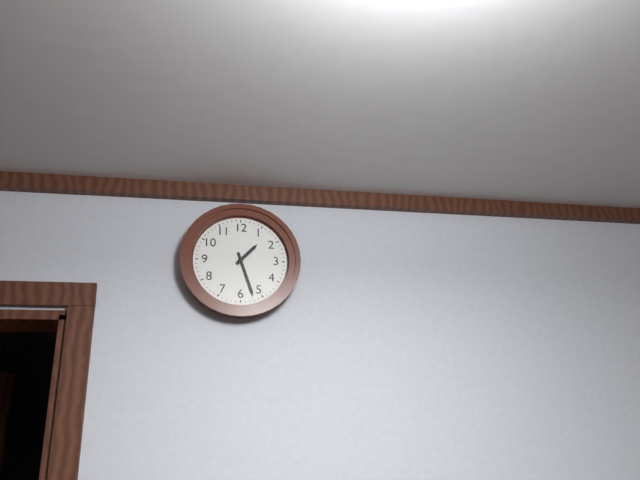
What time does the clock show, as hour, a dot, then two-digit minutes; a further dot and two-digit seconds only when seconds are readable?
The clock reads 1.27
